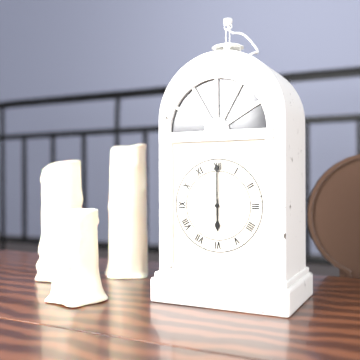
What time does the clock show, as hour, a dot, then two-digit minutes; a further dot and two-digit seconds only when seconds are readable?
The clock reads 6.00
